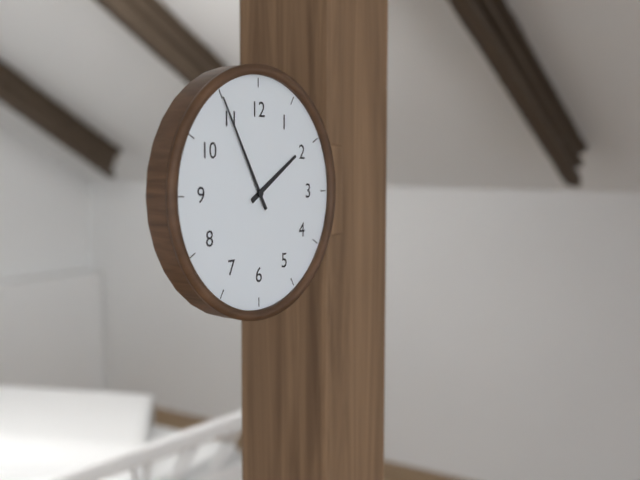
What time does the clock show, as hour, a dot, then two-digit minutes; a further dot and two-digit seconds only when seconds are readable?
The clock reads 1.55
